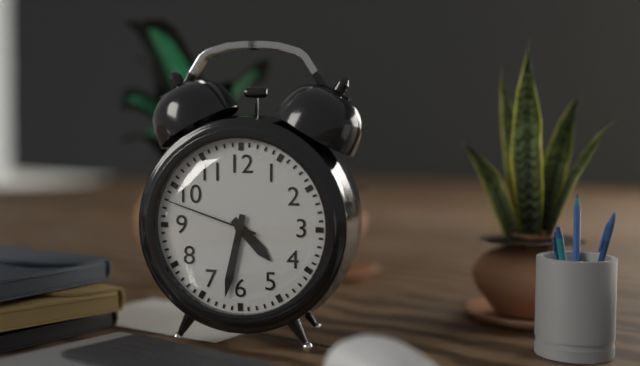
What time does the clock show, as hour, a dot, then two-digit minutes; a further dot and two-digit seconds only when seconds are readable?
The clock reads 4.32.48
